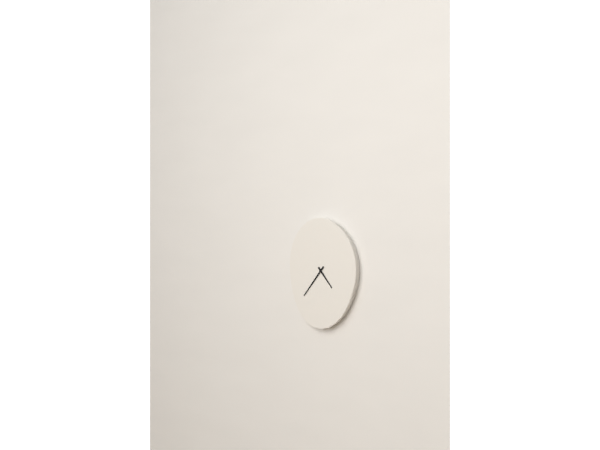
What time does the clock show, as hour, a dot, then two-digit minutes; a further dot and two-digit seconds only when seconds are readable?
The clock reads 4.37
